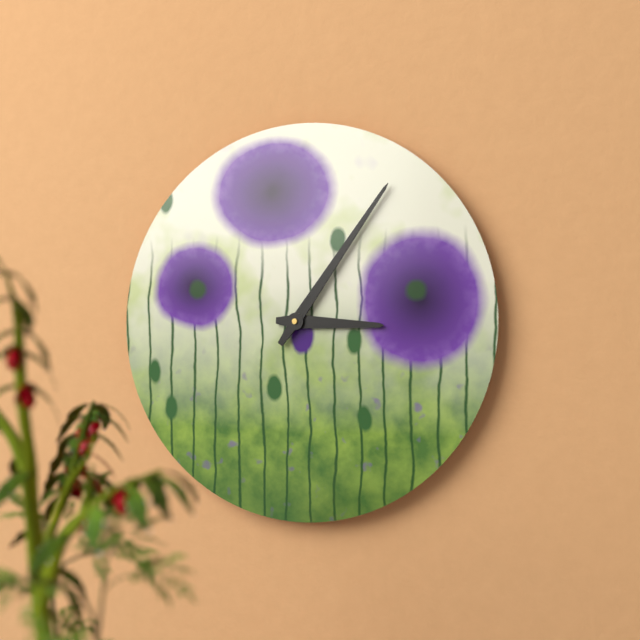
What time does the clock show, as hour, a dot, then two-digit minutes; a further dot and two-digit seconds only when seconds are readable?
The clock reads 3.06
